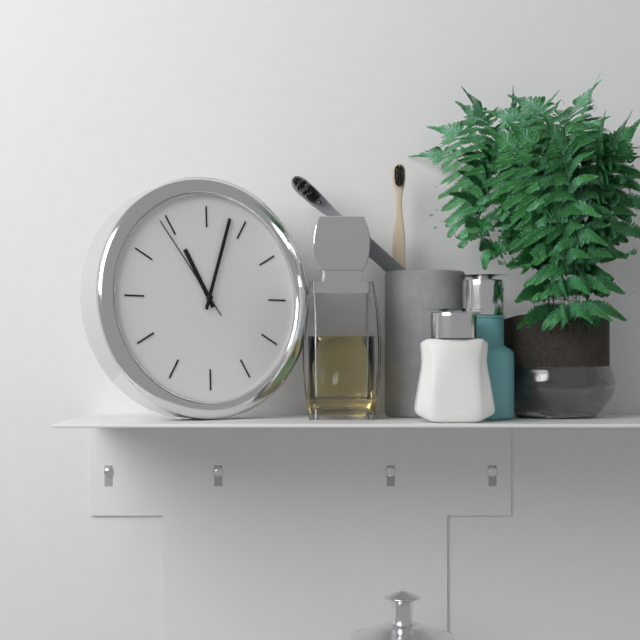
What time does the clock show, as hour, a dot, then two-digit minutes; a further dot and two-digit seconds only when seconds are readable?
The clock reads 11.03.54
